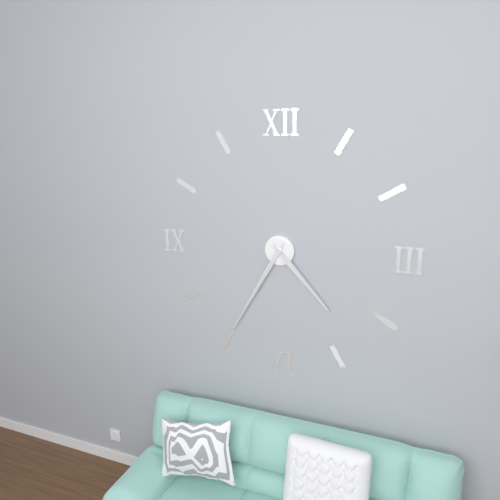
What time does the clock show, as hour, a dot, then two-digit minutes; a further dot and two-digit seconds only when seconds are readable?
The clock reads 4.35
